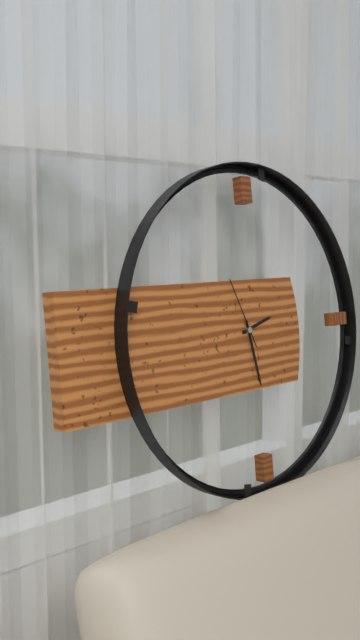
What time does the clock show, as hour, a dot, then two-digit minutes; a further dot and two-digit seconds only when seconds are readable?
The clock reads 2.28.56
